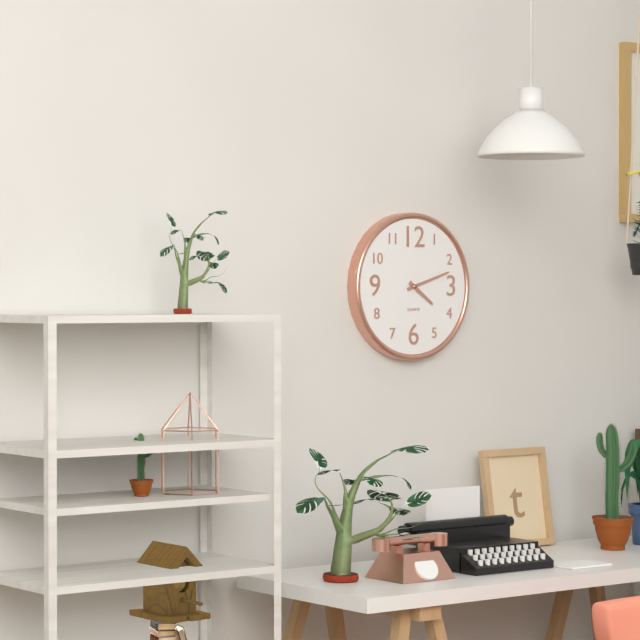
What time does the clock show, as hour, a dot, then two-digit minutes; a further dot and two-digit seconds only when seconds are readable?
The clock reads 4.12
